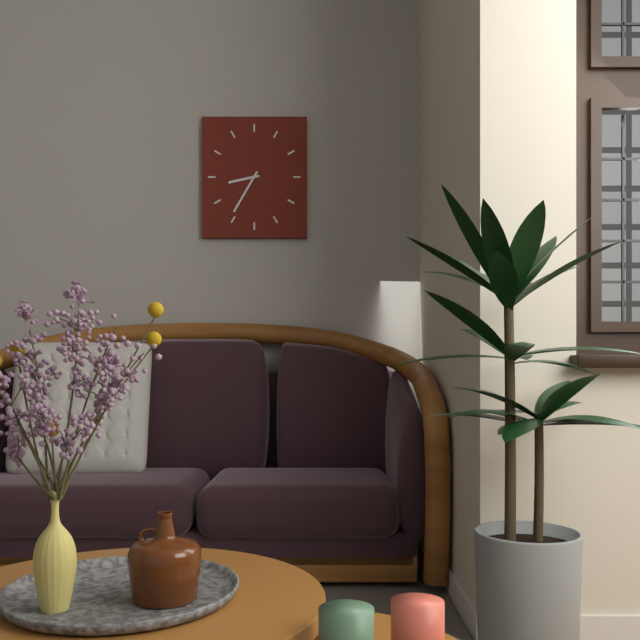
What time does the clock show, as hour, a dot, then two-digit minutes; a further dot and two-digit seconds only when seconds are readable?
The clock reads 8.35
